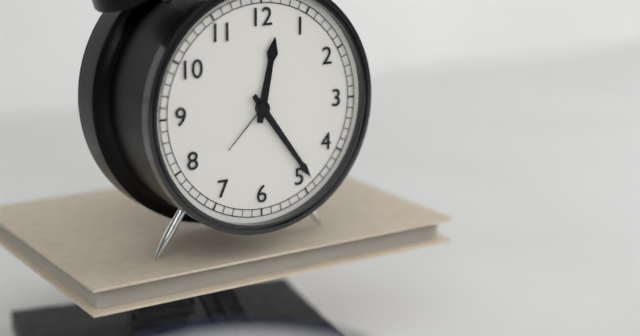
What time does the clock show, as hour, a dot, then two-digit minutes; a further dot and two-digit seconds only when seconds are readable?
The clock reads 12.24
